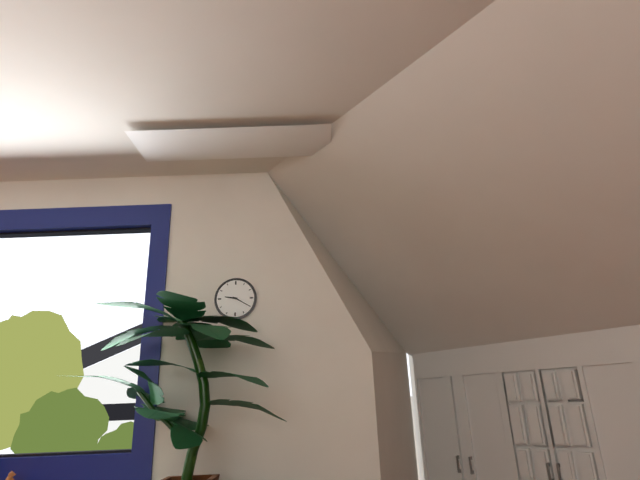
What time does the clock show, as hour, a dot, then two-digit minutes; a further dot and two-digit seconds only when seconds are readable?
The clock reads 9.20
